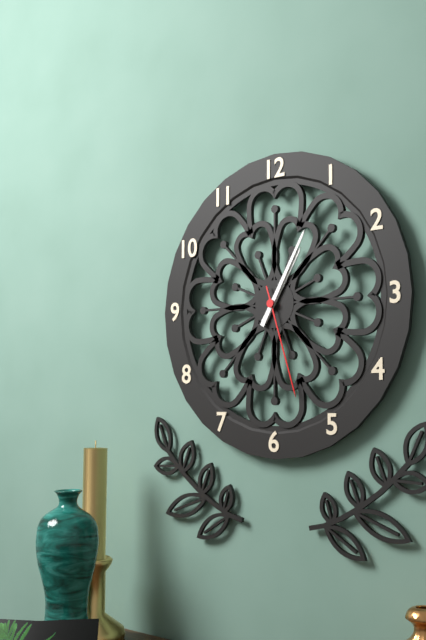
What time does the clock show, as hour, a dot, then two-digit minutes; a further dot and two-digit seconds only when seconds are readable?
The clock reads 1.05.27
